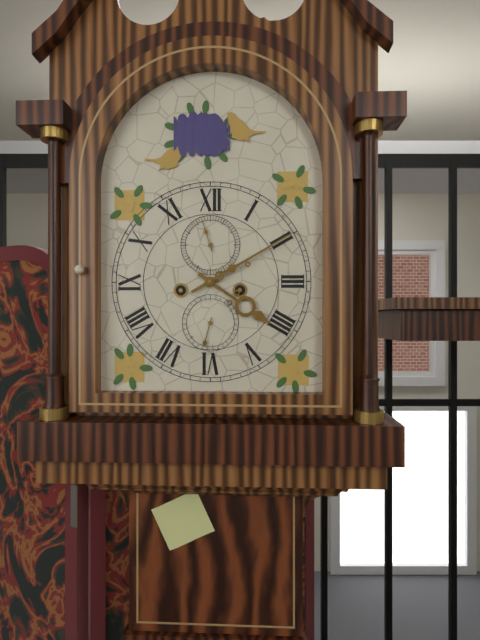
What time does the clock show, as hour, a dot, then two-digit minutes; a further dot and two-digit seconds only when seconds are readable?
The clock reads 4.10
